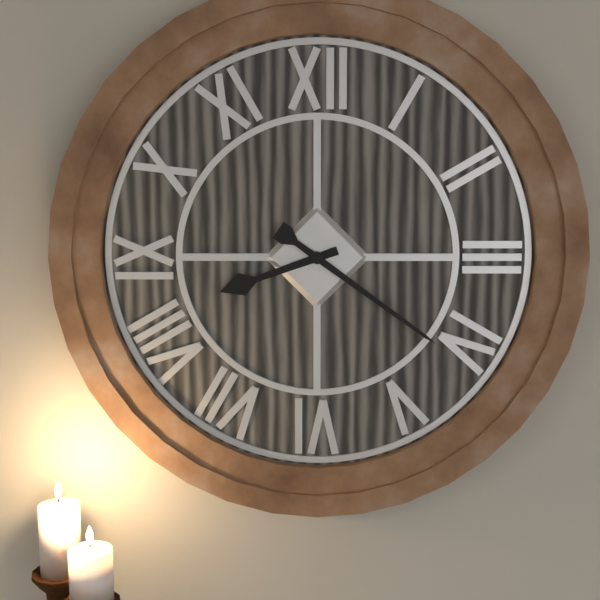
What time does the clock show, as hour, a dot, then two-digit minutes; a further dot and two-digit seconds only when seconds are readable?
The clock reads 8.21
